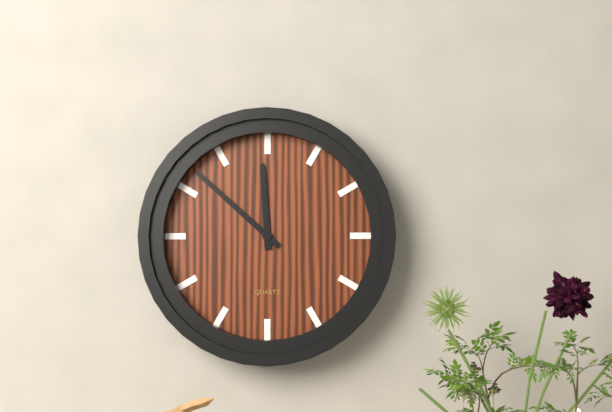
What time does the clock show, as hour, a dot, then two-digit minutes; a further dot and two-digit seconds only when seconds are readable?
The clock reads 11.52
